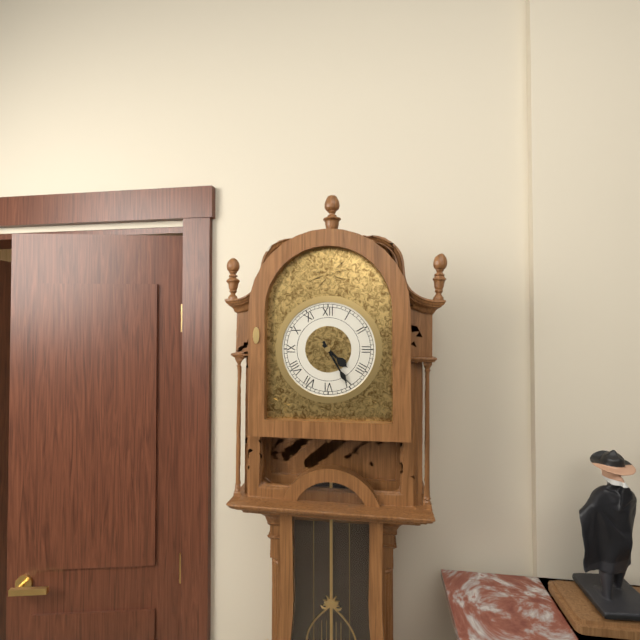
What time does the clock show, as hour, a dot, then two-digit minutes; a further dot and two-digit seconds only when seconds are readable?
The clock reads 4.25
